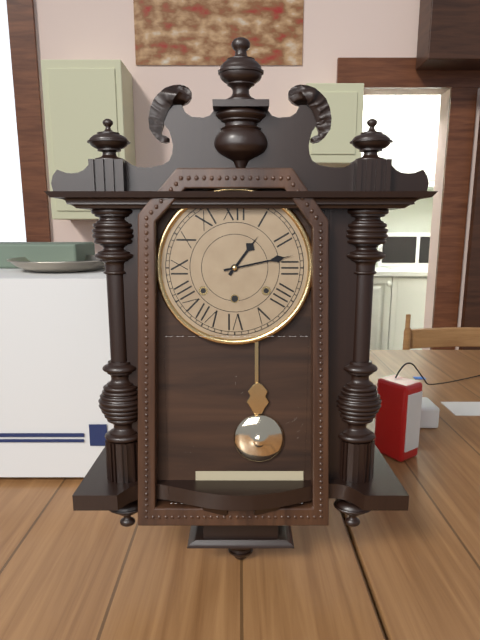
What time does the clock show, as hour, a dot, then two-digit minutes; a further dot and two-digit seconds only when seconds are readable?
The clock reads 1.13
